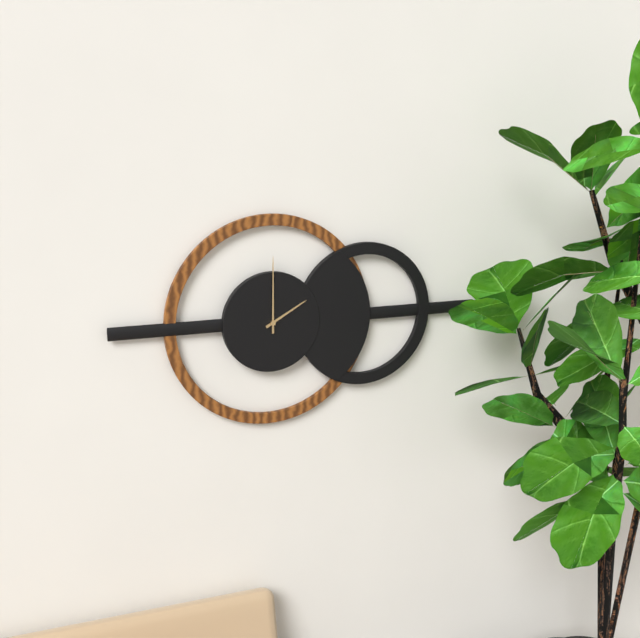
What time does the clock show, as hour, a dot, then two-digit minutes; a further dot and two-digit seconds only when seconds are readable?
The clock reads 2.00
